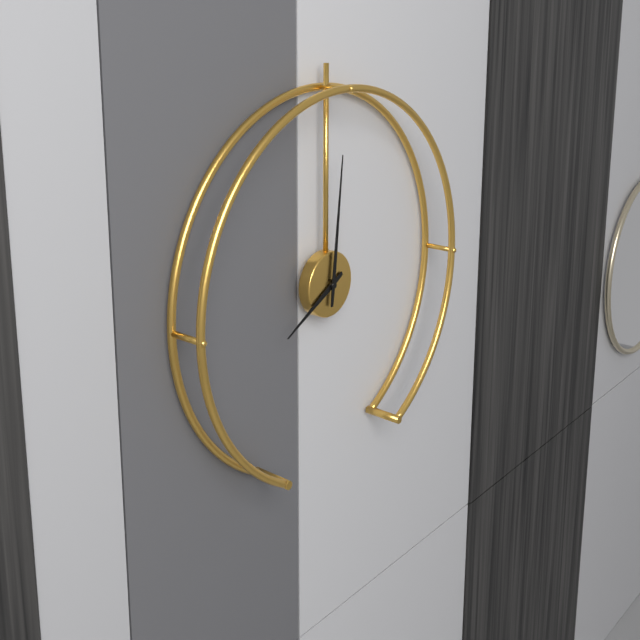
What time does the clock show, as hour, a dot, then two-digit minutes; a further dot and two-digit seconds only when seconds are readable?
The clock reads 8.01
